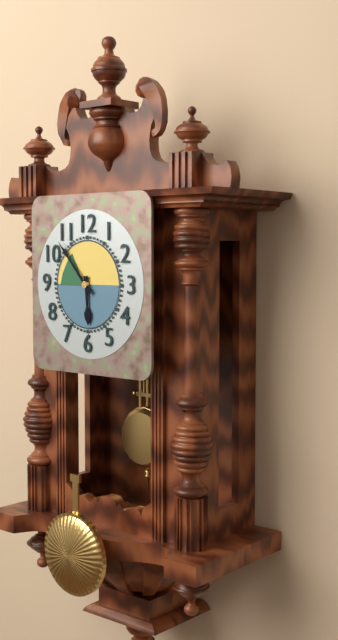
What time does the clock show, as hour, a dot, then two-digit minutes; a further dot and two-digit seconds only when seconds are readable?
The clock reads 5.53
